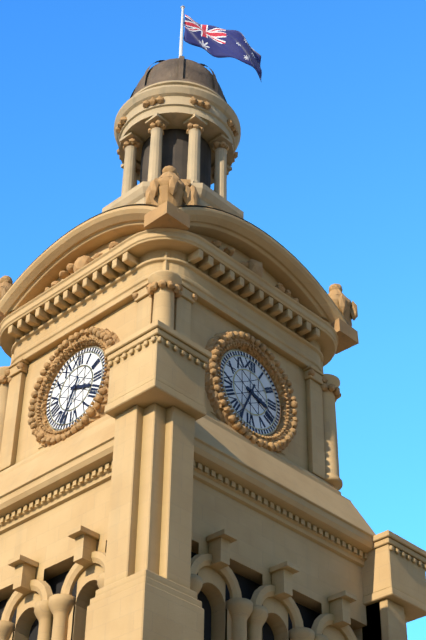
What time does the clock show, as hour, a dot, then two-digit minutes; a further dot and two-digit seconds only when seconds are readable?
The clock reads 3.34
